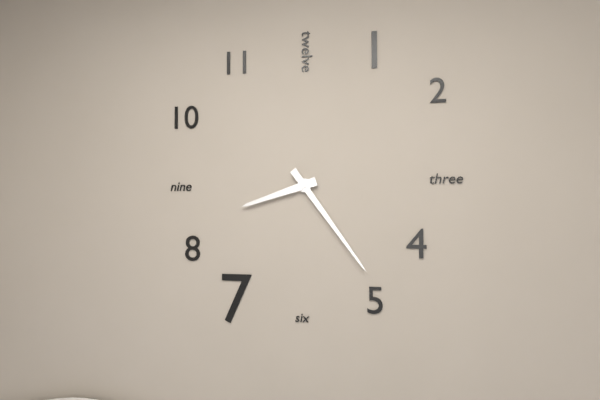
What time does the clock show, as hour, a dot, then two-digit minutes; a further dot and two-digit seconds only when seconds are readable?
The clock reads 8.24
